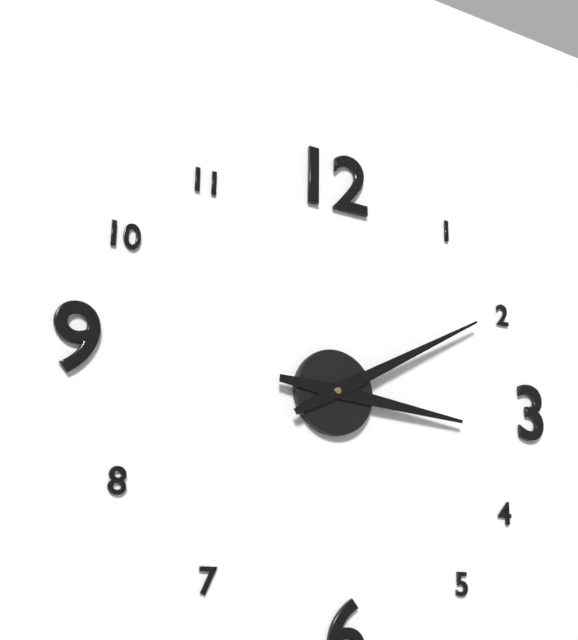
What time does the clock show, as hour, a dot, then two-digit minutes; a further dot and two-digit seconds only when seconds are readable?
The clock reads 3.10
